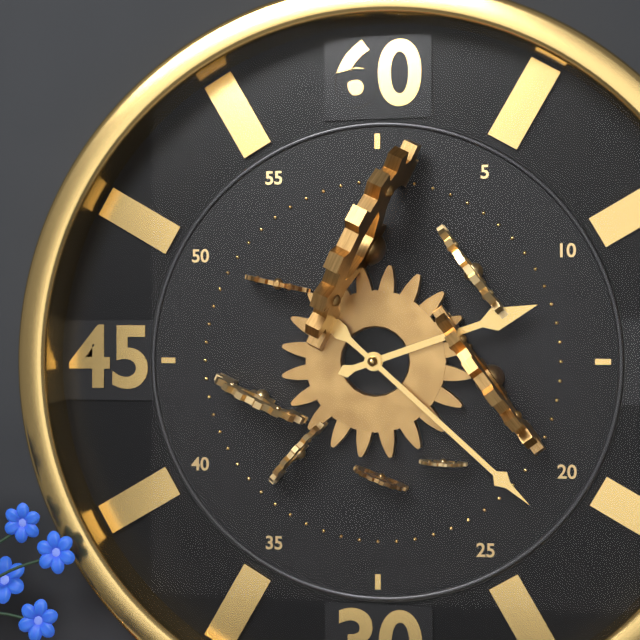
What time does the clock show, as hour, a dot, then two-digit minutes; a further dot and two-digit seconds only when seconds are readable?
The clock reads 2.22
